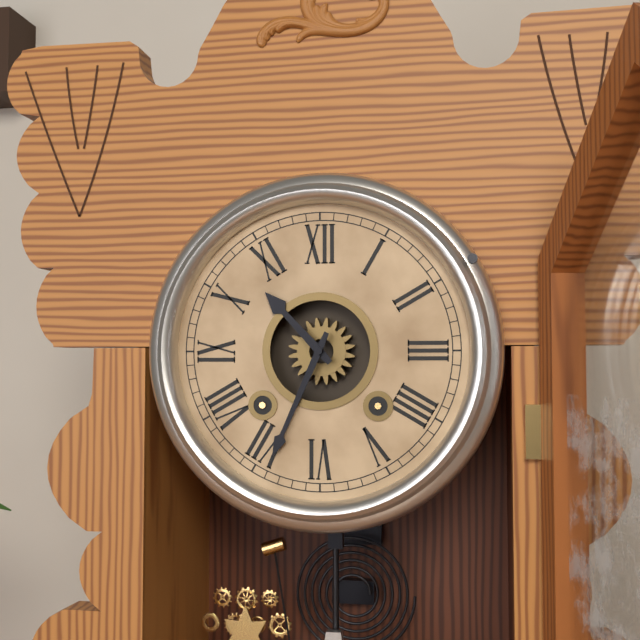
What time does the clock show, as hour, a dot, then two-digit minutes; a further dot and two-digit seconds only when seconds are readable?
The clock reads 10.34
